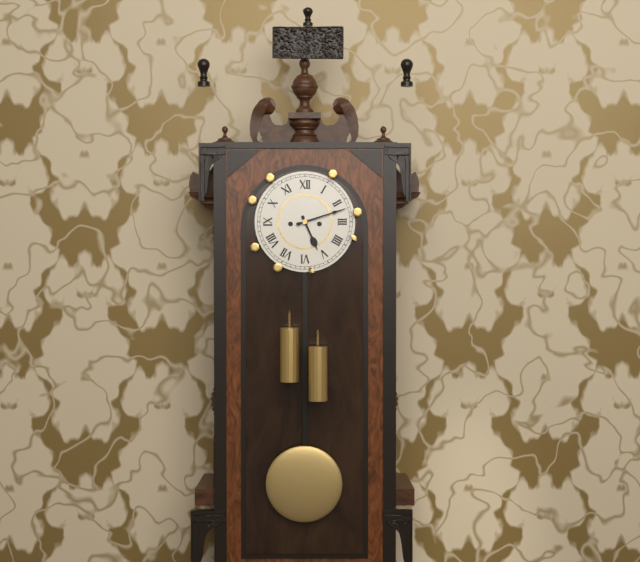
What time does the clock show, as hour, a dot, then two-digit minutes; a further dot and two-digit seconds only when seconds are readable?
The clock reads 5.12
